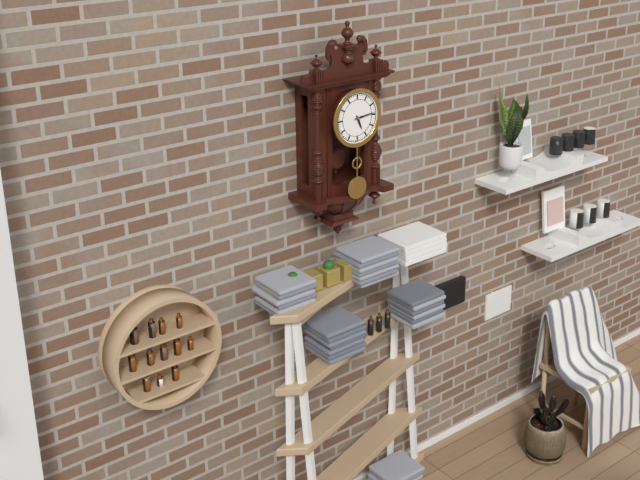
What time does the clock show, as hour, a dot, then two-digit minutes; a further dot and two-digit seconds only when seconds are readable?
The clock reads 5.14
